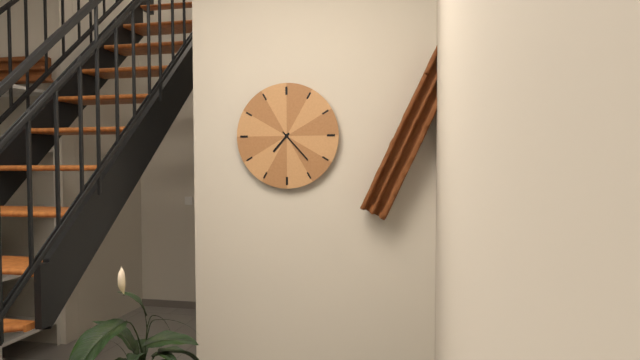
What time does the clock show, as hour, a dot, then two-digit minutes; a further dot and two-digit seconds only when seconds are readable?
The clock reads 7.23
